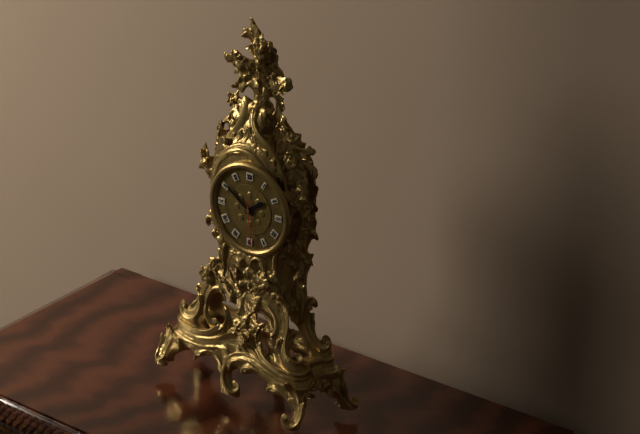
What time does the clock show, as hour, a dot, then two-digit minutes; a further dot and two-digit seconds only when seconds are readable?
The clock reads 1.51
